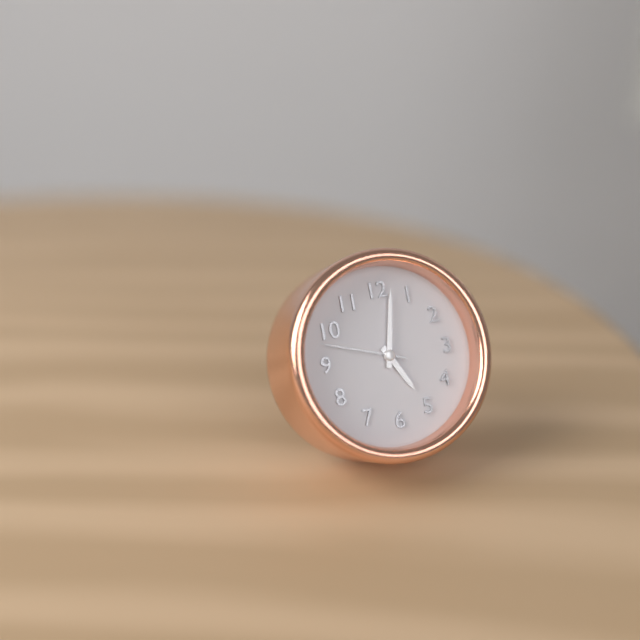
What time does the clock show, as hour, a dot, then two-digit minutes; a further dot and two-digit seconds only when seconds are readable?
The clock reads 5.02.48
